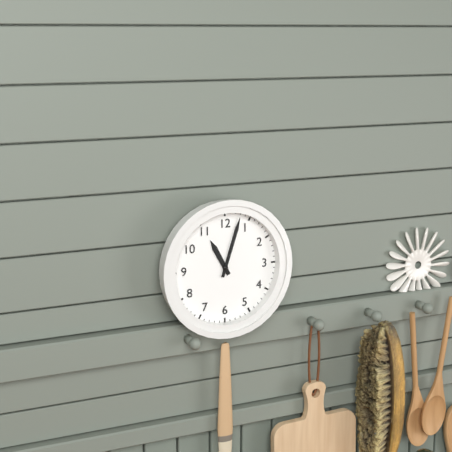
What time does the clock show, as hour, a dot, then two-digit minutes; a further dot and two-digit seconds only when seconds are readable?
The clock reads 11.03
